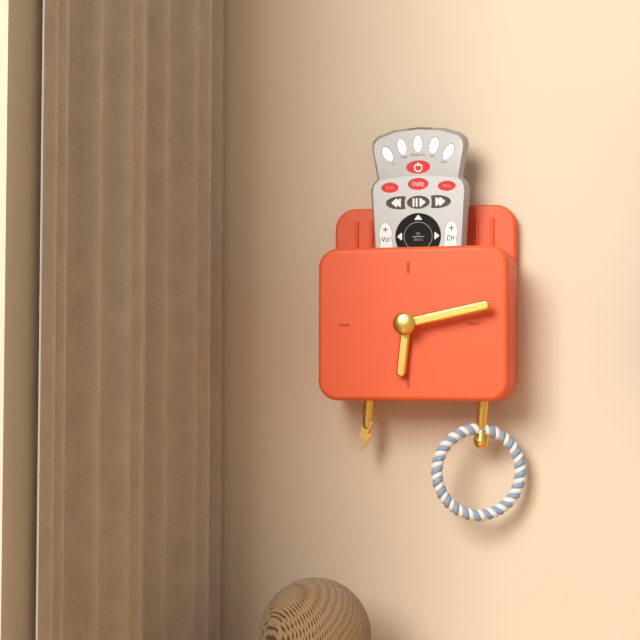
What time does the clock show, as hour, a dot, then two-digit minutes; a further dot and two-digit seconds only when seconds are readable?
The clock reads 6.13
